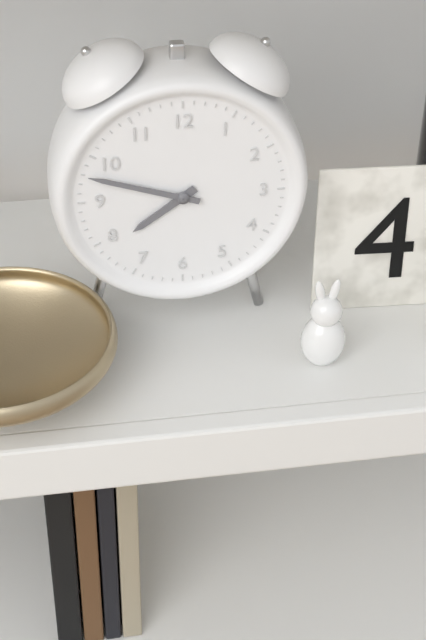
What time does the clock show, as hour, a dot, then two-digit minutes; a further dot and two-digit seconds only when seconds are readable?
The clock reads 7.48
